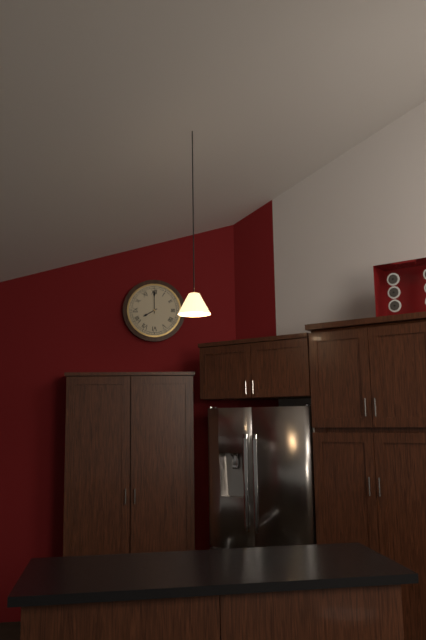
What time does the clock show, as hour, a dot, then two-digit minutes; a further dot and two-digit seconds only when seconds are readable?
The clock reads 8.00
